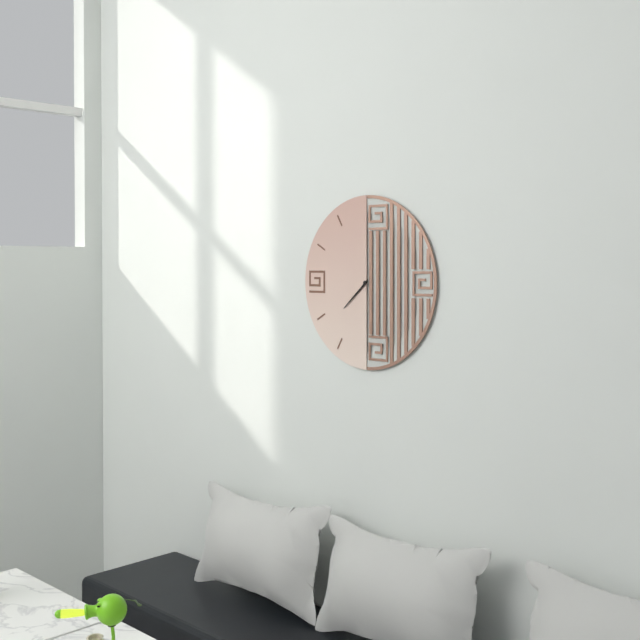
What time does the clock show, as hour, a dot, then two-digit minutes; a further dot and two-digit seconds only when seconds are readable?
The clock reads 7.38
